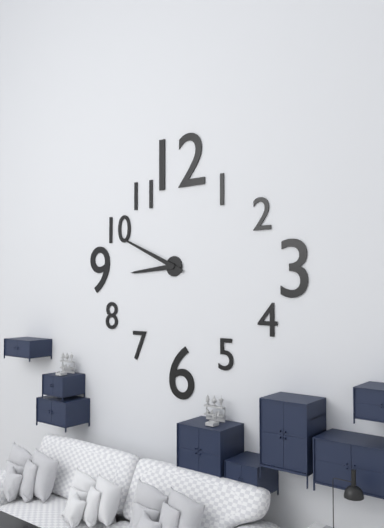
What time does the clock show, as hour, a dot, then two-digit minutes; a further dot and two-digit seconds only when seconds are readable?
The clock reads 8.49
